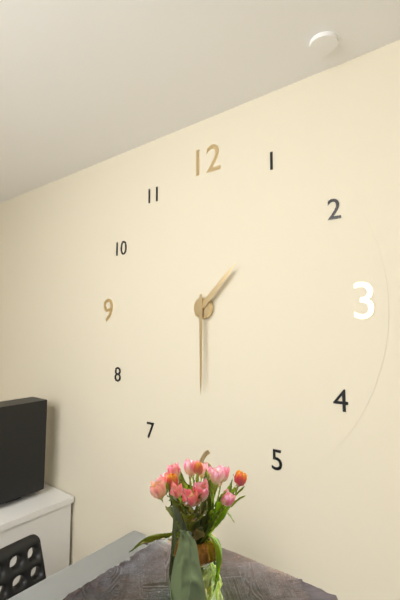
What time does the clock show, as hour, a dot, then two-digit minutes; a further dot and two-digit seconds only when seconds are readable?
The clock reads 1.30
